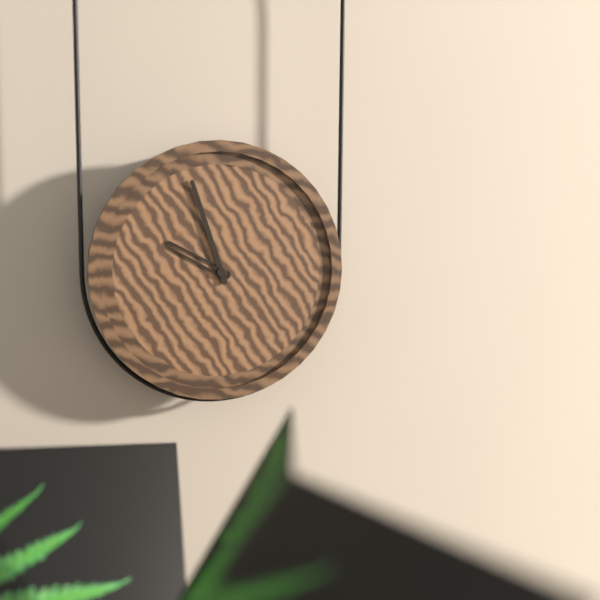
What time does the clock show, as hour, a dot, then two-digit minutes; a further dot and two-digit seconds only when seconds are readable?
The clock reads 9.57
